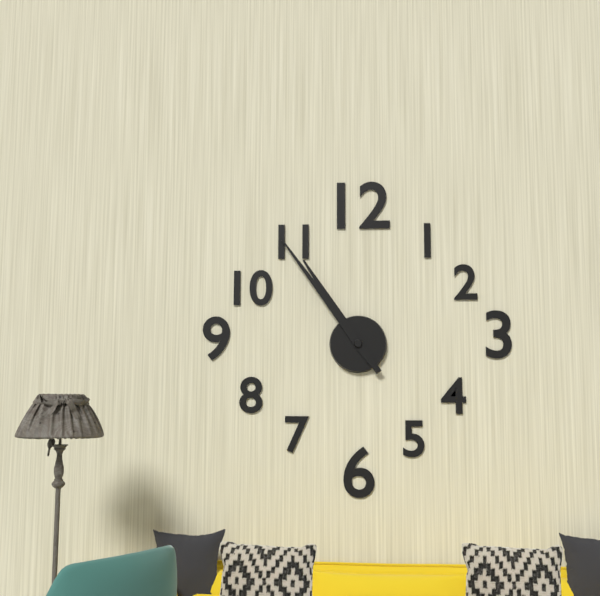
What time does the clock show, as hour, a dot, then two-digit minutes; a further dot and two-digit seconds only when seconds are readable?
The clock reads 10.54
